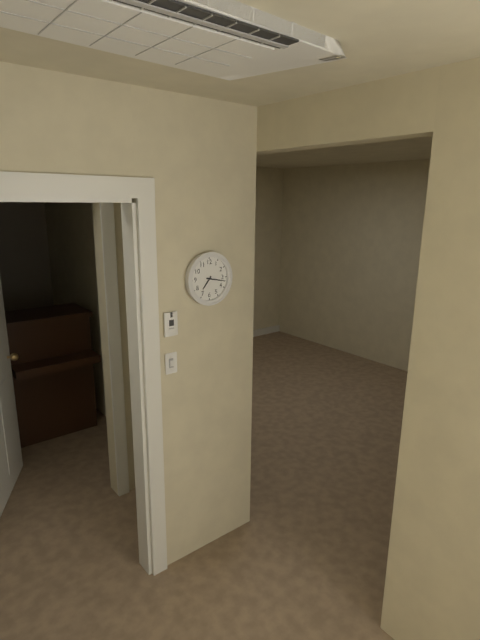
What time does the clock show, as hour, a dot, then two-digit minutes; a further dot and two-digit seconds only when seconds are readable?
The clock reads 7.17
